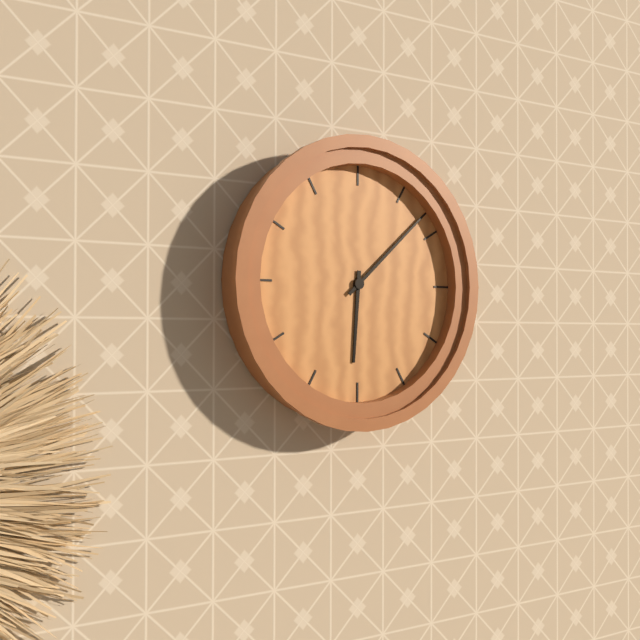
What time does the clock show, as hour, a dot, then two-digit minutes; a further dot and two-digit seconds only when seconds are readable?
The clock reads 6.08
